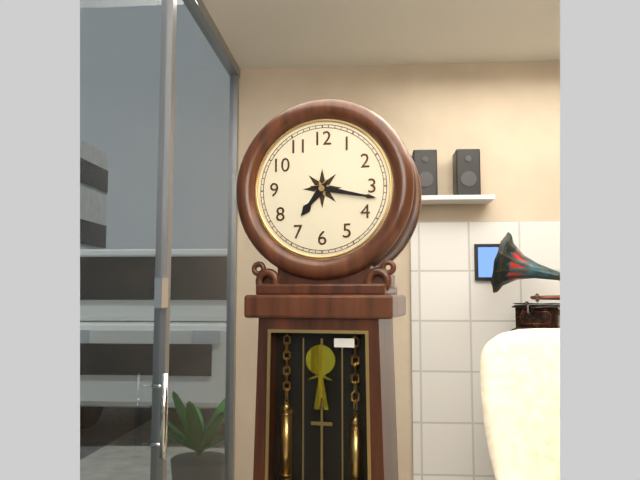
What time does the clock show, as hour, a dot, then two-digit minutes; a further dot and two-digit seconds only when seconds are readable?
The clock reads 7.17
